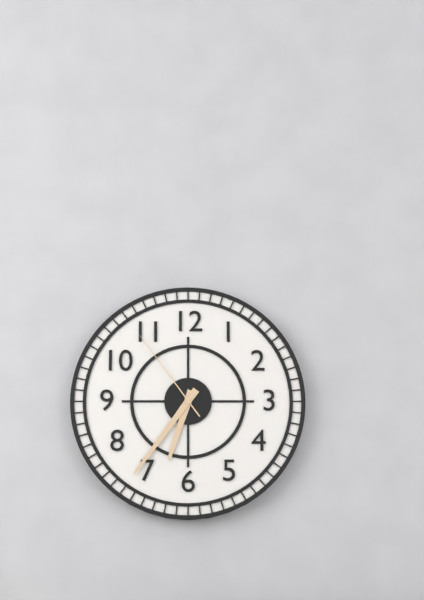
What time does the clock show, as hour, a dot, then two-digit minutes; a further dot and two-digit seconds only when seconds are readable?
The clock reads 6.36.54
